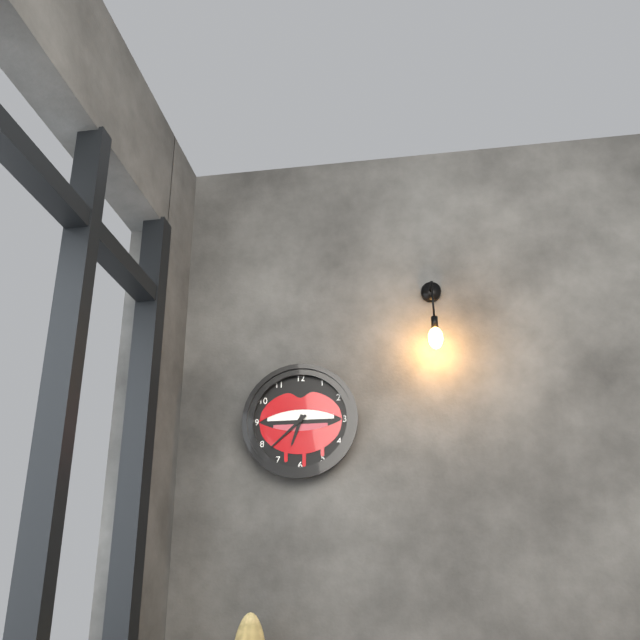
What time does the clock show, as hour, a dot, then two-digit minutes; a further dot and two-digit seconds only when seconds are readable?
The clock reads 6.38
